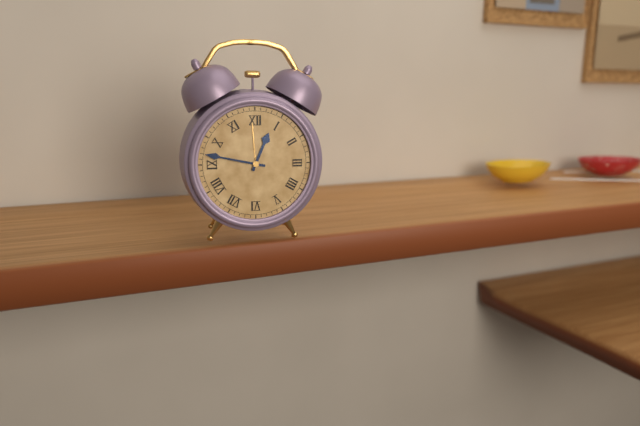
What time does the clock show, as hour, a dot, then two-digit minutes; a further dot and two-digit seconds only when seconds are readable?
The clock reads 12.47
